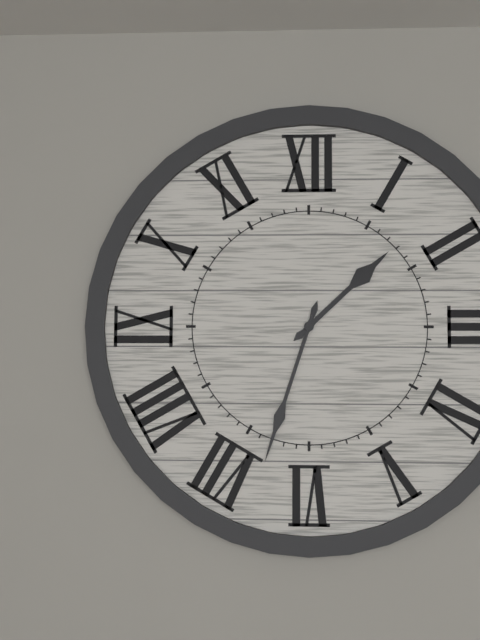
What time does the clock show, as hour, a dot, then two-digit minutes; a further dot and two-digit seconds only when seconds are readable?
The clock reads 1.33
